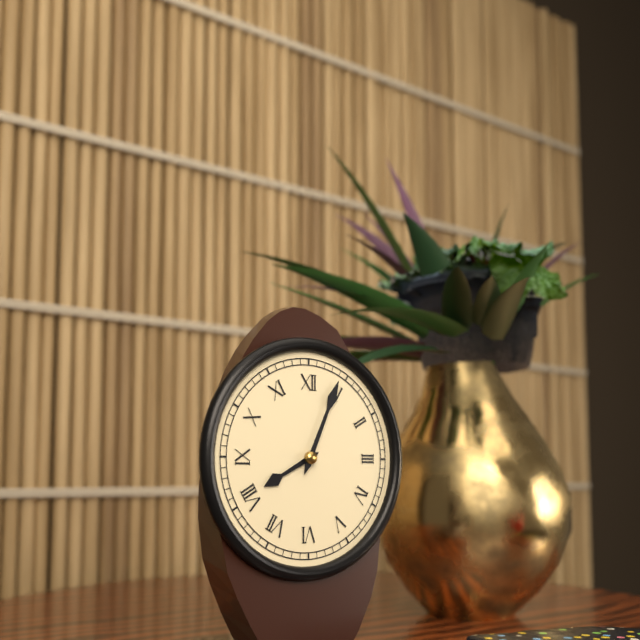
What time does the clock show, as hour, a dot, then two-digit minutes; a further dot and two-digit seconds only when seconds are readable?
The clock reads 8.04
